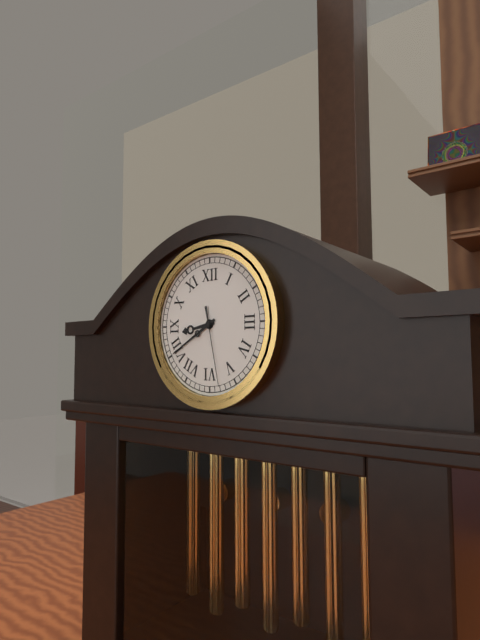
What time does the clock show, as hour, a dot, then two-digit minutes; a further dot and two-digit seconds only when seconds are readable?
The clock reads 8.40.28
